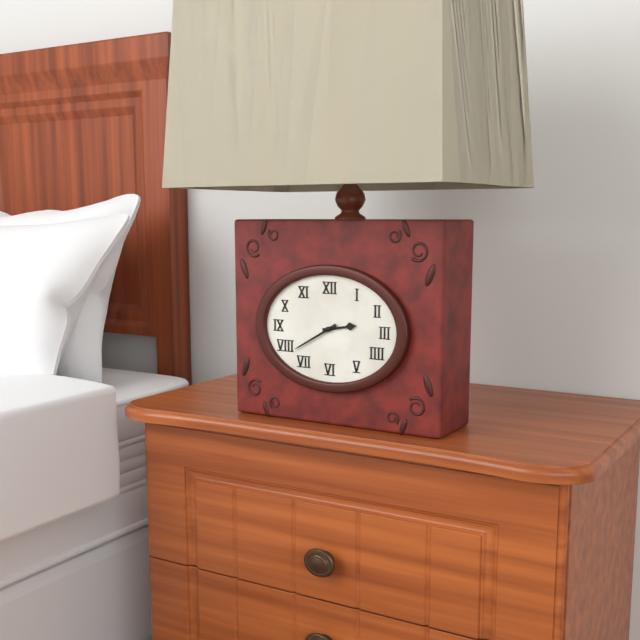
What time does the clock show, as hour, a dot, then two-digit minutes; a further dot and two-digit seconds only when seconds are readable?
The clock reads 2.40
